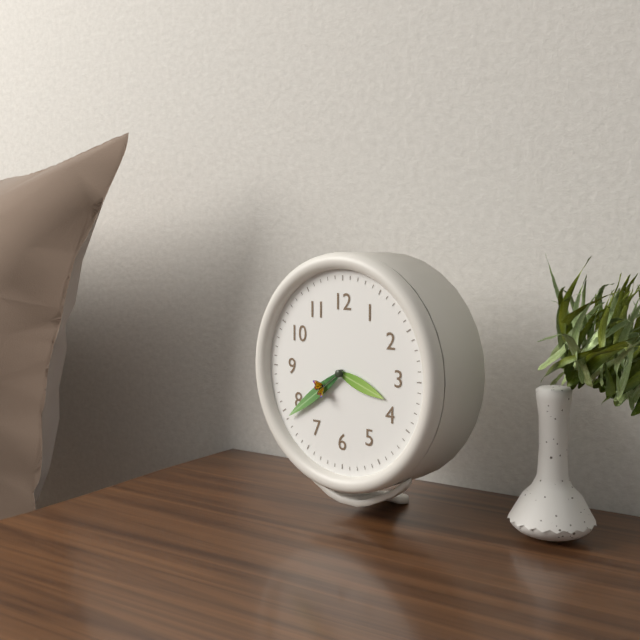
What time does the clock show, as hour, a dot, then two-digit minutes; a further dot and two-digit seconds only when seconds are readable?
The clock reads 3.39
